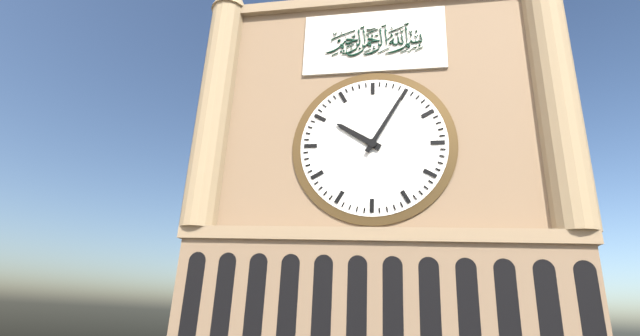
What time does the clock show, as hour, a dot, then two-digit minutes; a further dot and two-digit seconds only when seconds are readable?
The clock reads 10.05
